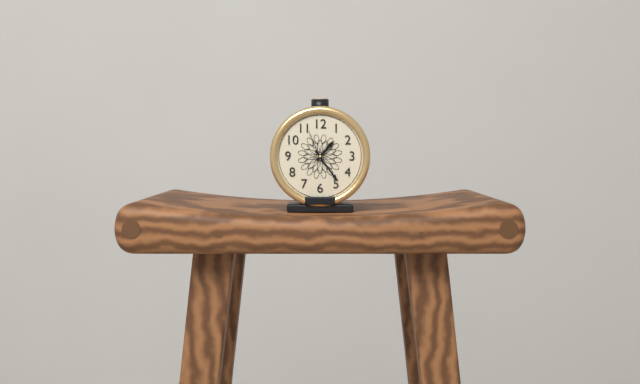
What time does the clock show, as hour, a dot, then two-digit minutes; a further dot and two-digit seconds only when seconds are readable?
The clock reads 1.24
